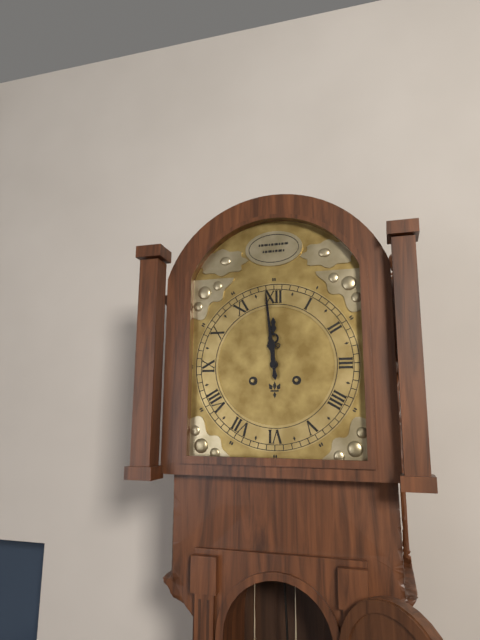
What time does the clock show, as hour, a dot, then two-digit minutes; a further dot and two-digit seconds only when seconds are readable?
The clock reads 11.59
